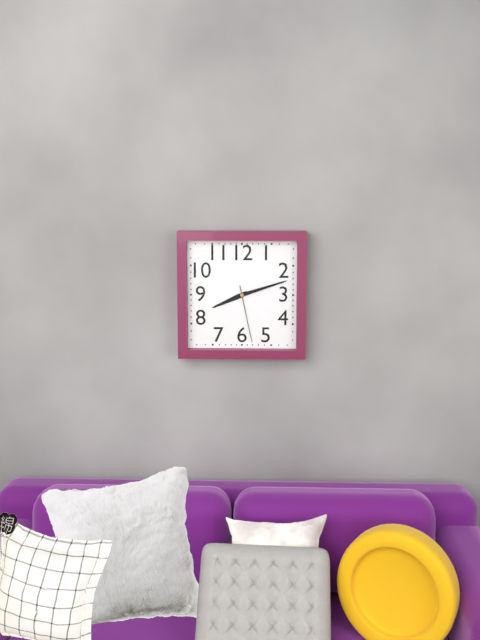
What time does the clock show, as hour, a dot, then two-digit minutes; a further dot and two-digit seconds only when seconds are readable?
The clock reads 8.12.28
